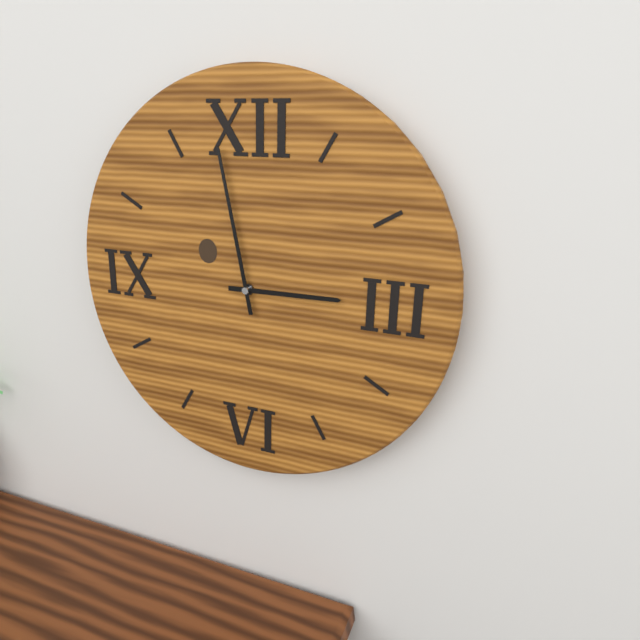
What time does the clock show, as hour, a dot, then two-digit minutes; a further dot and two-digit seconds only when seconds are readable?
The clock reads 2.58
